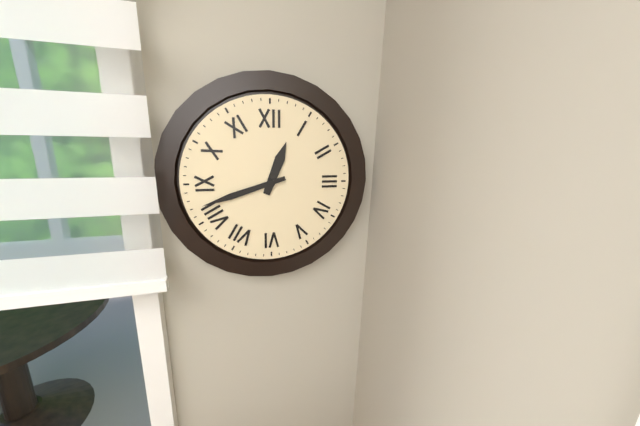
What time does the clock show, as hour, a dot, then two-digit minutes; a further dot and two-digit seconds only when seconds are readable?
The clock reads 12.42
